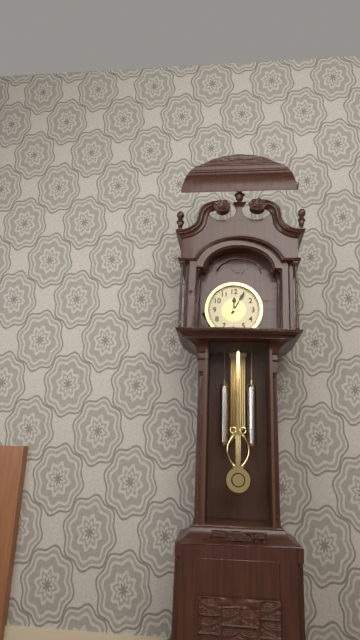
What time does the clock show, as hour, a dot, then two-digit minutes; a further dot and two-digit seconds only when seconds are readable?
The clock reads 12.05
